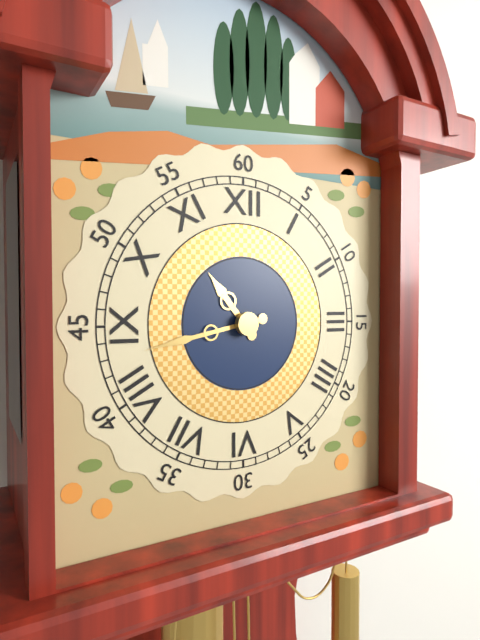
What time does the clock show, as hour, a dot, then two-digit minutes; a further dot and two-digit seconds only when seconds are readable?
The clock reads 10.43
